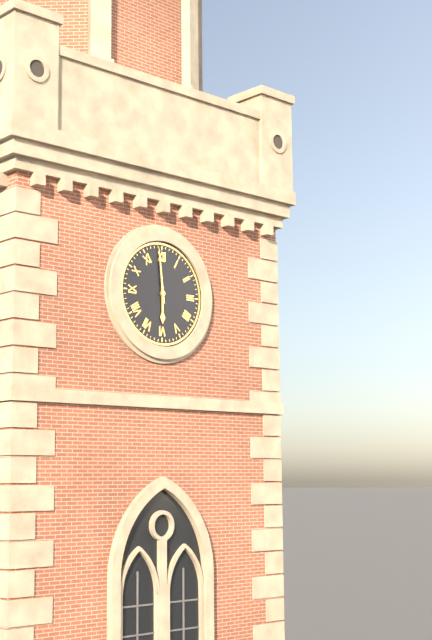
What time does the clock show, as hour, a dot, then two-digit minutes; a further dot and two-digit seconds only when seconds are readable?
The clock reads 5.59
